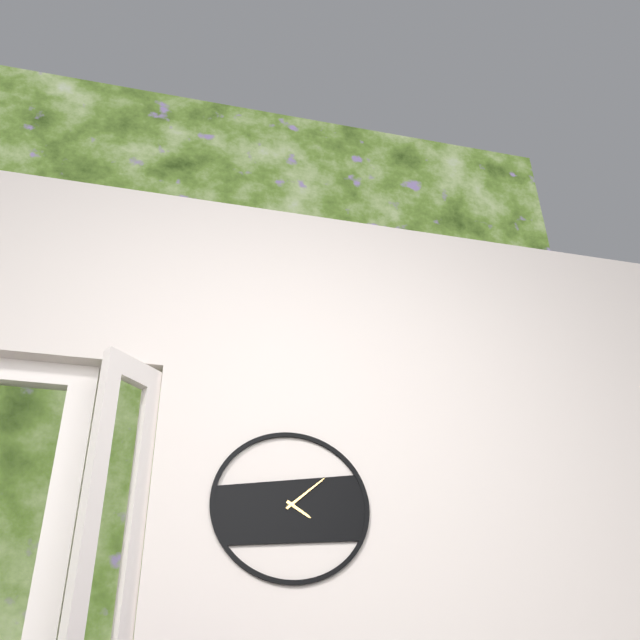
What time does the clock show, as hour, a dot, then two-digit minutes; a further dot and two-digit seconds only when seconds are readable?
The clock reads 4.08
